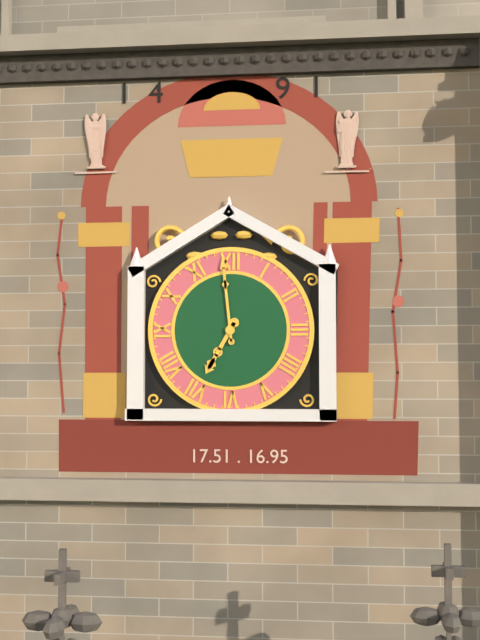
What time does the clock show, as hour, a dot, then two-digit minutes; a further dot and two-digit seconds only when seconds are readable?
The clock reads 6.59
